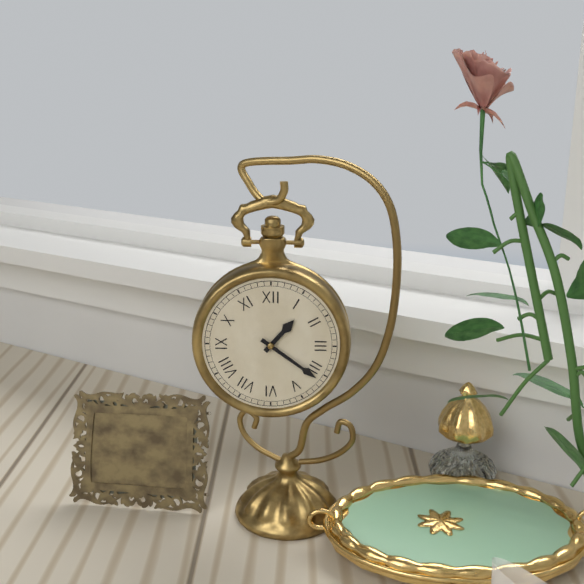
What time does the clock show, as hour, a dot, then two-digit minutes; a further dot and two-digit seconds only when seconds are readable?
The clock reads 1.21
